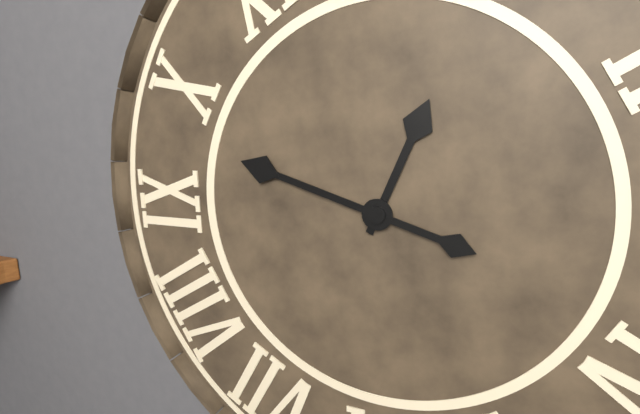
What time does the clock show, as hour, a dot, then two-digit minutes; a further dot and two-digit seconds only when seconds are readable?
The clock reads 12.48
